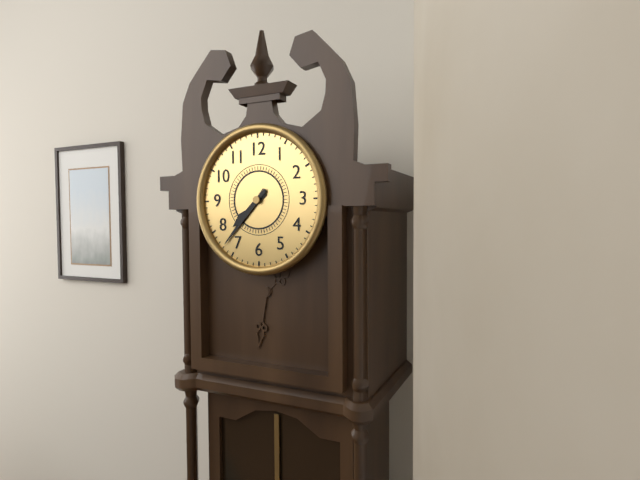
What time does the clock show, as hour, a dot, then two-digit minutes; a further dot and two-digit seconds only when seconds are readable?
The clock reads 7.37
